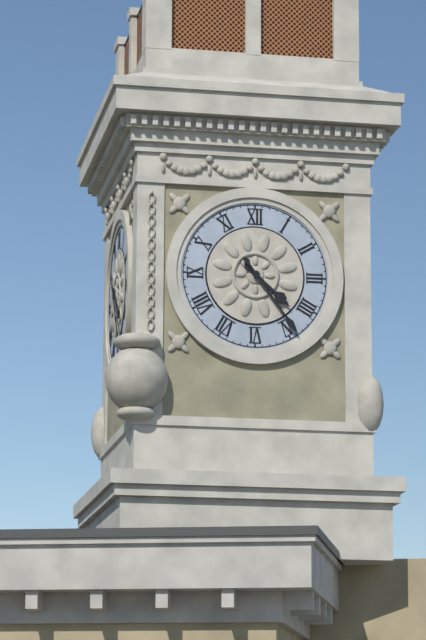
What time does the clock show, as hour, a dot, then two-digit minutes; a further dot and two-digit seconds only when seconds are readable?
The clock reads 4.24
